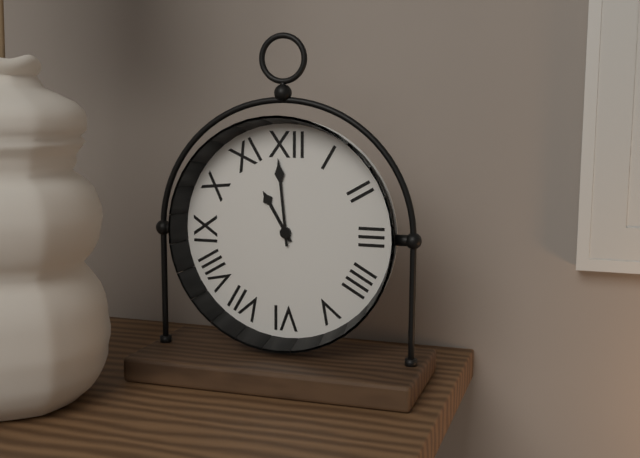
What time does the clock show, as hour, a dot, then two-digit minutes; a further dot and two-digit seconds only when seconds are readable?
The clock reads 10.59
